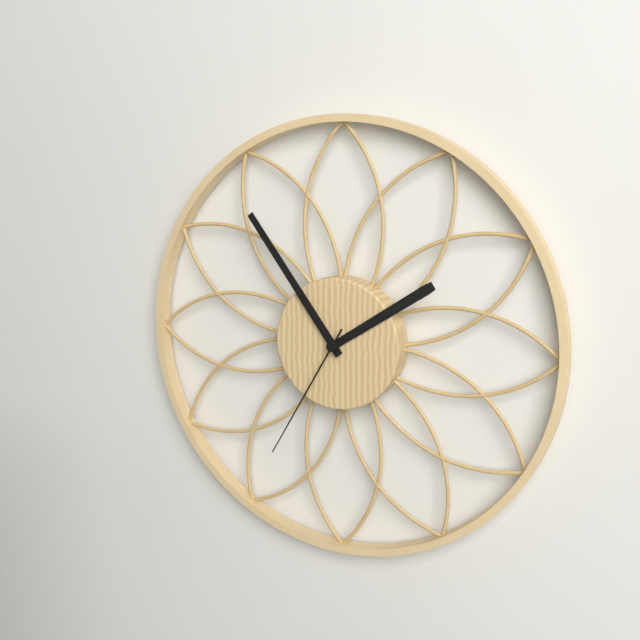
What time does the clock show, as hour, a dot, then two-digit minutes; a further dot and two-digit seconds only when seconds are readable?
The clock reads 1.54.35
